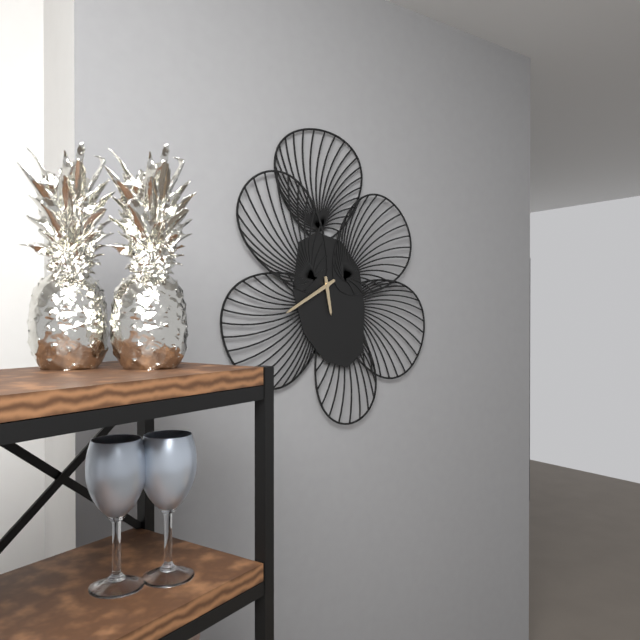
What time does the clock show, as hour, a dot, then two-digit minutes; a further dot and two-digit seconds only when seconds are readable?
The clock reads 5.40
